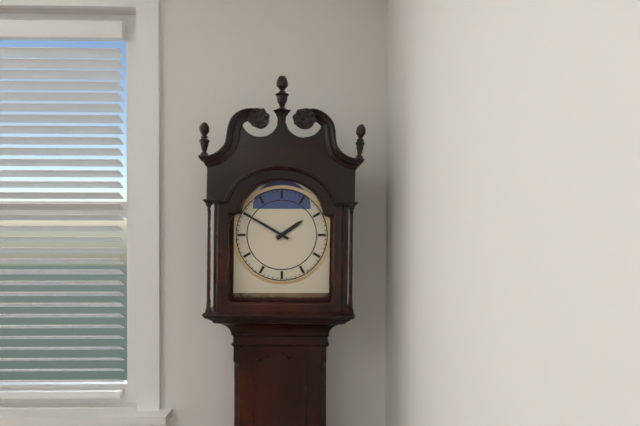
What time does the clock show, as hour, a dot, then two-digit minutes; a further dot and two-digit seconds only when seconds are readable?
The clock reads 1.50
